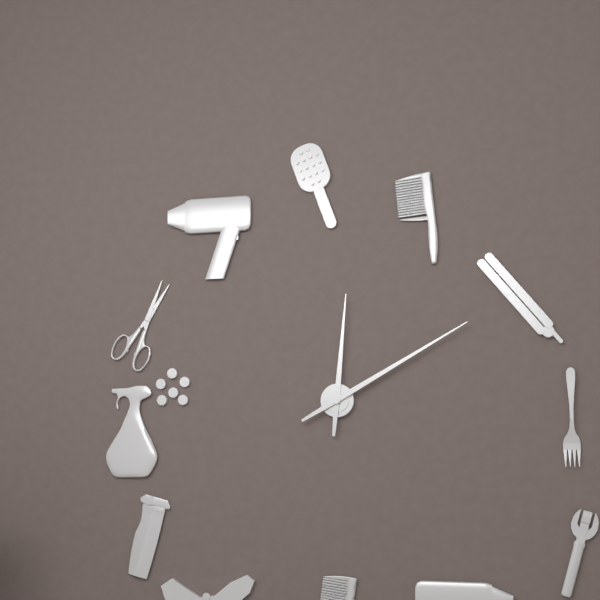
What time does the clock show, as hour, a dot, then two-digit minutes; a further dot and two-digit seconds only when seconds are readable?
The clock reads 12.10
